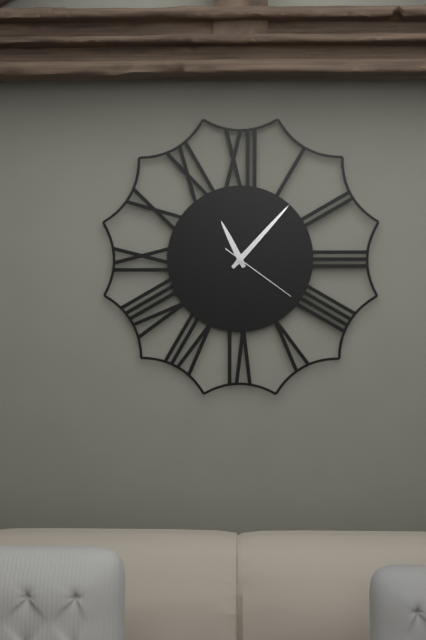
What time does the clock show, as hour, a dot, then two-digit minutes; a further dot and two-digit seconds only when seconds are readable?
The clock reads 11.07.21
